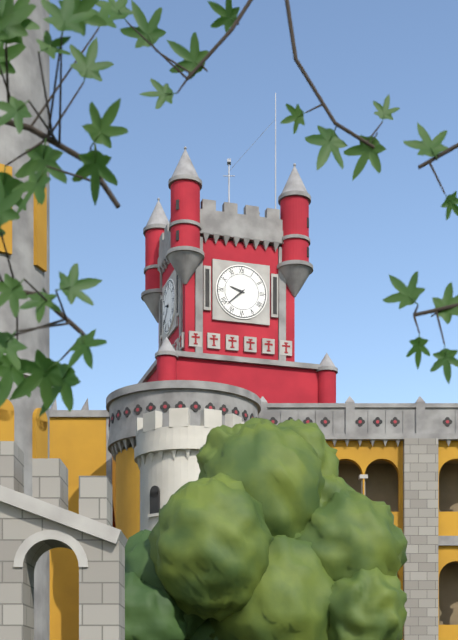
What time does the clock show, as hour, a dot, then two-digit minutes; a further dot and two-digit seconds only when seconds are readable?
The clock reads 9.38
